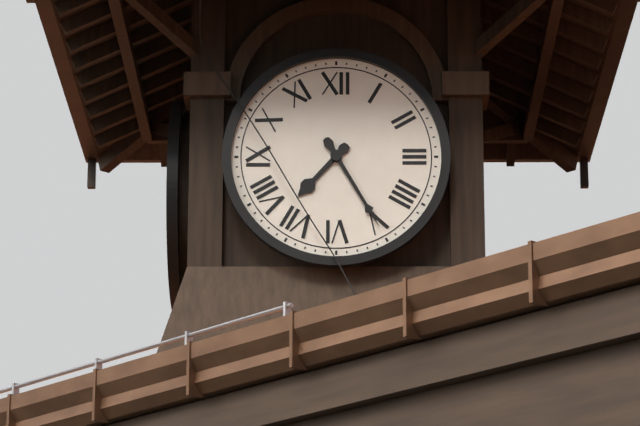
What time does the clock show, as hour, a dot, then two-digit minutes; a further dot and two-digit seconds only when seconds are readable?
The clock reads 7.25
